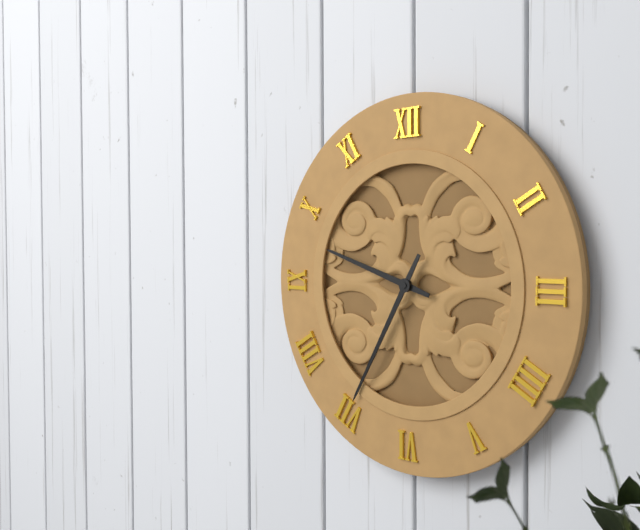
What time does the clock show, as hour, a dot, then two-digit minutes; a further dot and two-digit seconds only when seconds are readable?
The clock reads 9.35
